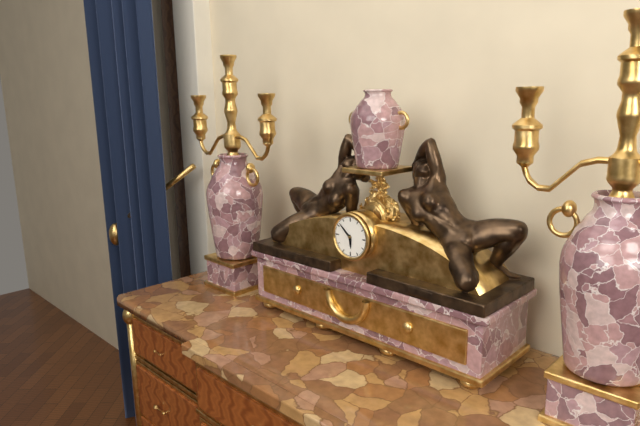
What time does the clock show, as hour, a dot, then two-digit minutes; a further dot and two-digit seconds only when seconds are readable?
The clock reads 5.52
